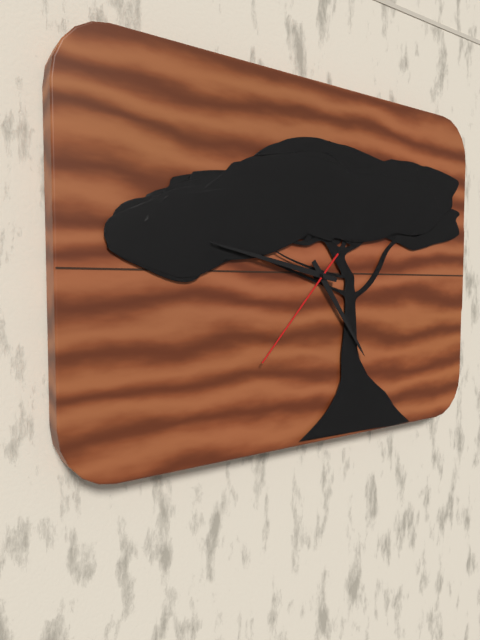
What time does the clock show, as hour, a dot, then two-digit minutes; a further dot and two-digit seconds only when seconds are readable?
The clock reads 4.47.37
